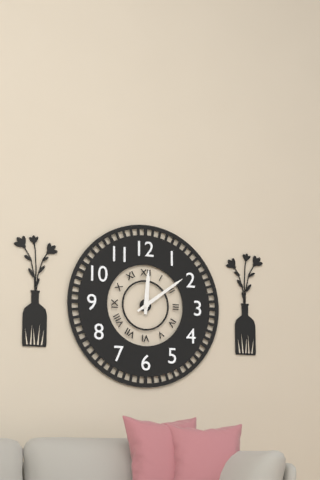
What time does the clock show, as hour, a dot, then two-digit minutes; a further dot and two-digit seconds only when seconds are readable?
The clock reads 12.09
